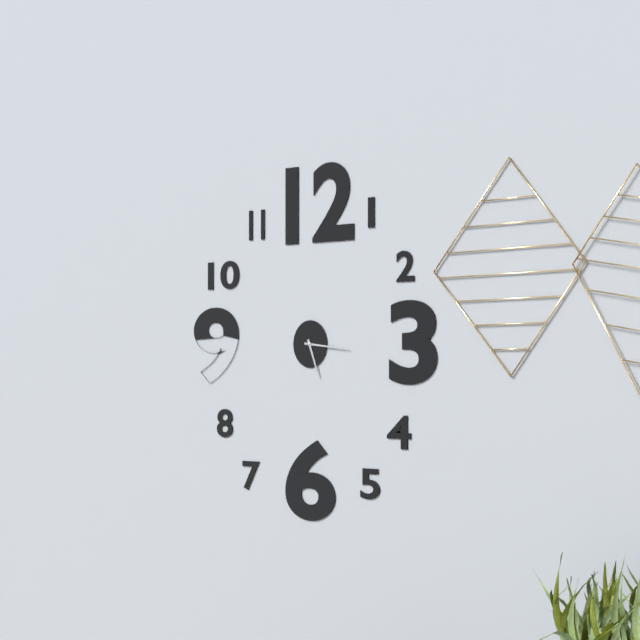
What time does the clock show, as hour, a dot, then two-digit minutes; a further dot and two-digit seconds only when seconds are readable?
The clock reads 5.16
